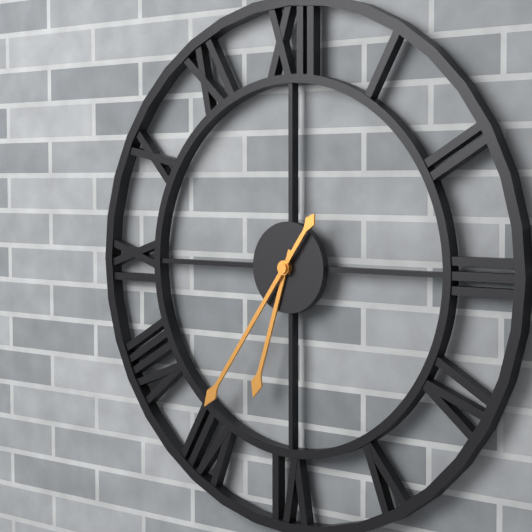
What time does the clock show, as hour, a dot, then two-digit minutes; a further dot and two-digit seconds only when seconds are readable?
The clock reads 6.36
